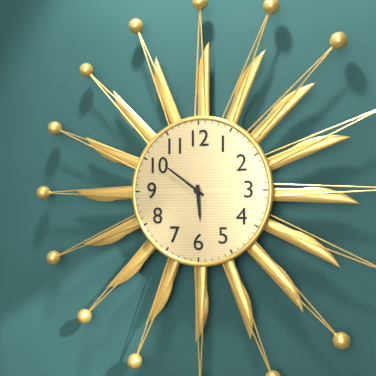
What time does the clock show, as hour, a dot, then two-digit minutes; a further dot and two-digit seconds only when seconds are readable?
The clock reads 5.51
